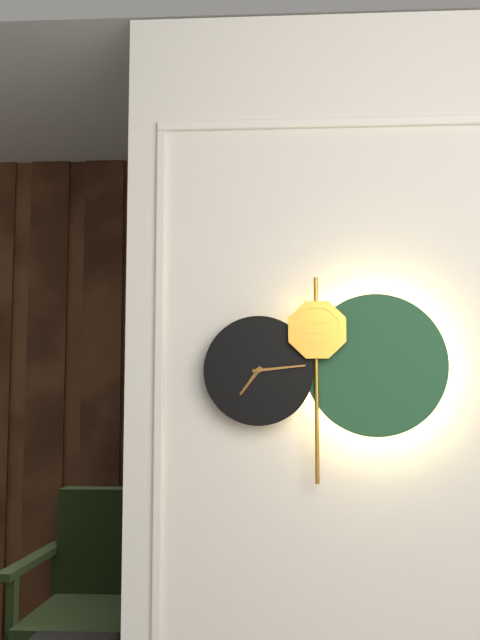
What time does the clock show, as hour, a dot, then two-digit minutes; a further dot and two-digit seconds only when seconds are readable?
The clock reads 7.14
